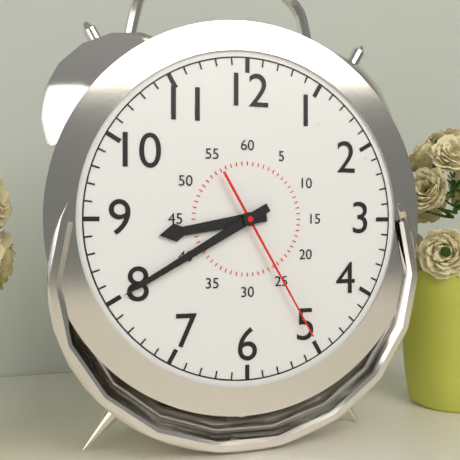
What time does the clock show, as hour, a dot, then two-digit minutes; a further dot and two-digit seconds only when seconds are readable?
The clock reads 8.40.25
